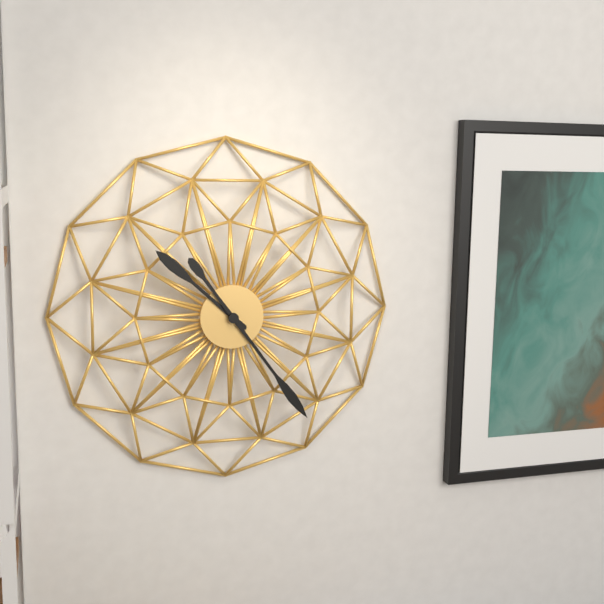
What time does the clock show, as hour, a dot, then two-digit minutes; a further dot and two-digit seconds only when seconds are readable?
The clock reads 10.24
